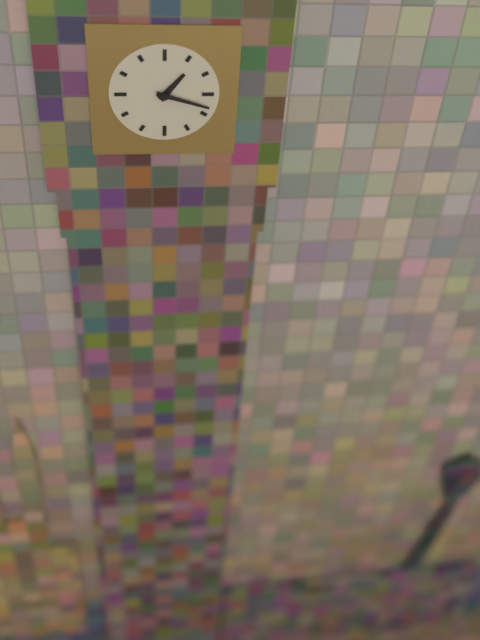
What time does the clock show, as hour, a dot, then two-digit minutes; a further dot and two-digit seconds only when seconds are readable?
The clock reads 1.18
